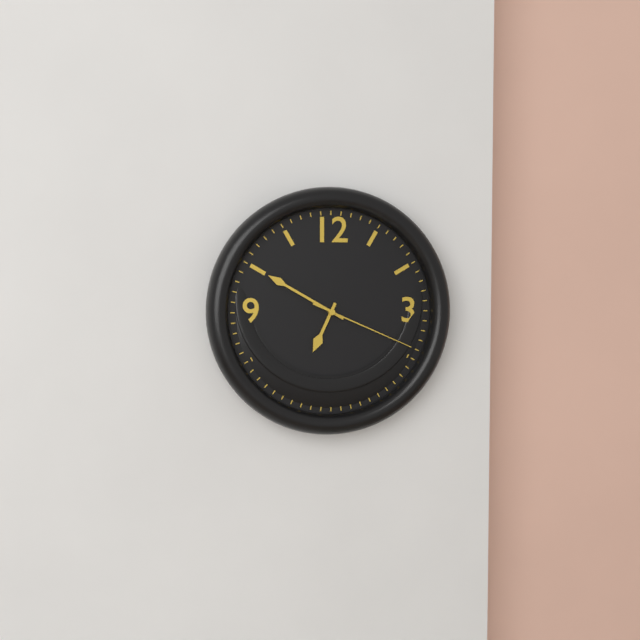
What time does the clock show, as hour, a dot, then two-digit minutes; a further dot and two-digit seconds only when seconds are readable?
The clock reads 6.50.19
